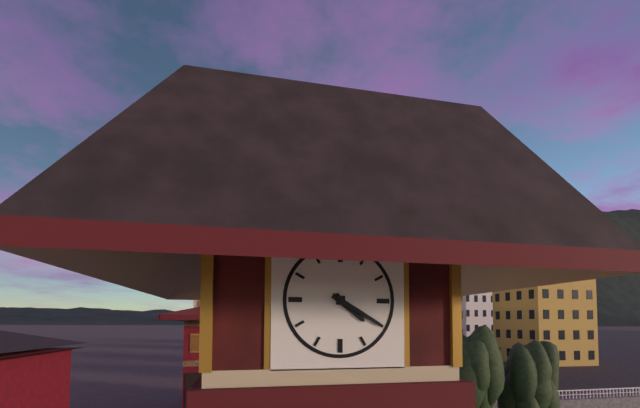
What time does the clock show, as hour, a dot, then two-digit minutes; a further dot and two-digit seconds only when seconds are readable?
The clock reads 4.20
